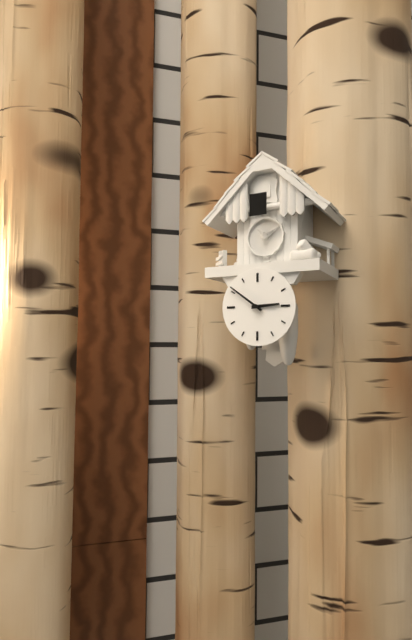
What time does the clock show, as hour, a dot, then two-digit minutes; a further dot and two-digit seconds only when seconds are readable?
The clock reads 2.51
